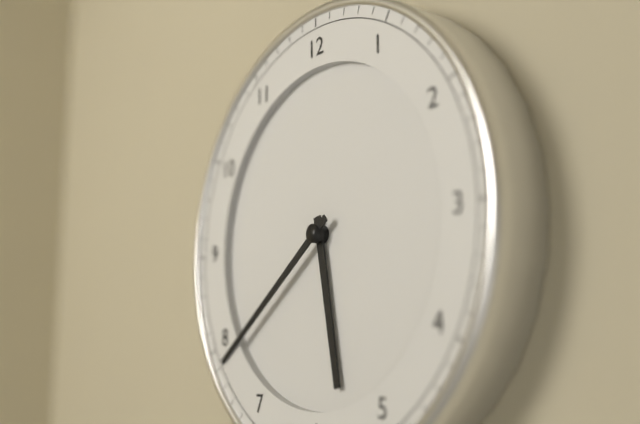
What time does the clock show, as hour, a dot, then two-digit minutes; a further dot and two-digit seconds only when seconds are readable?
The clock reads 5.39
